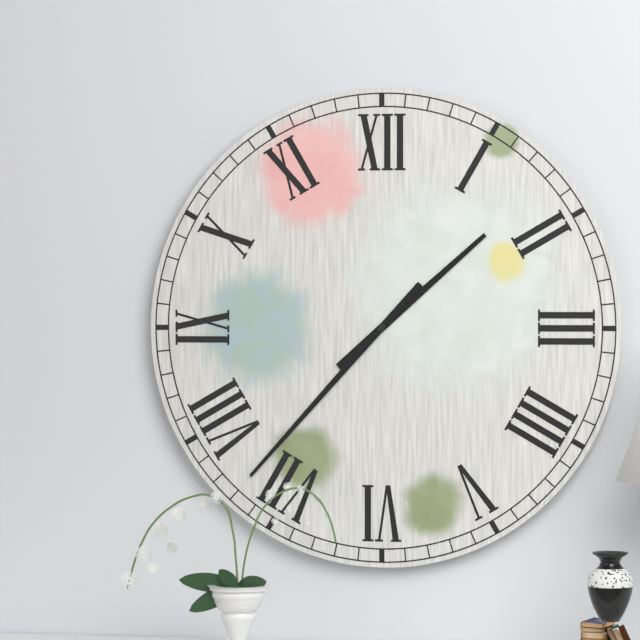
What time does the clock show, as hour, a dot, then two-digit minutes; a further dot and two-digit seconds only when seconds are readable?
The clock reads 1.37
